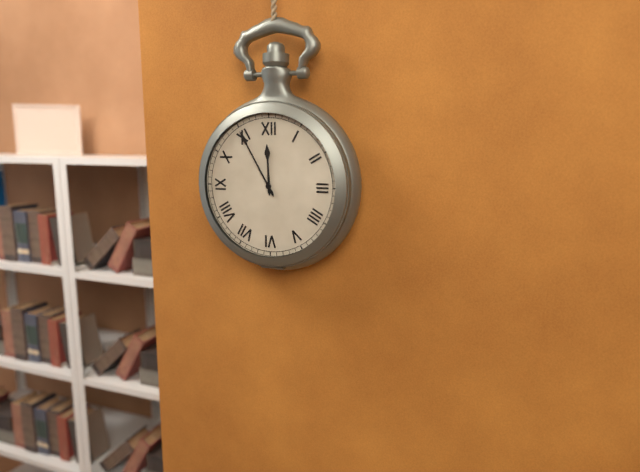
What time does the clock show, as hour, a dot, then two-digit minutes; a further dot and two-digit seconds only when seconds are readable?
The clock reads 11.55
